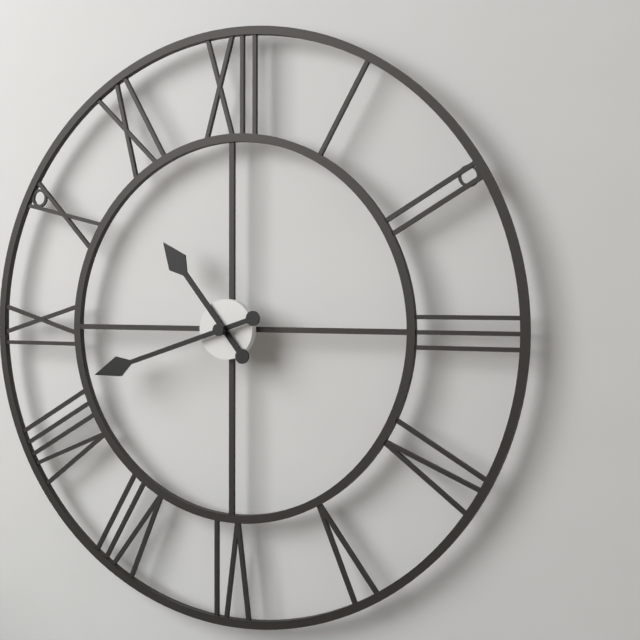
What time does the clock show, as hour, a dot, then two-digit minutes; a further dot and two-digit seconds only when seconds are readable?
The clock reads 10.42
